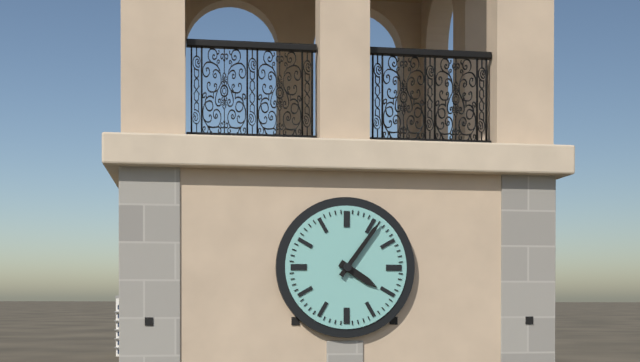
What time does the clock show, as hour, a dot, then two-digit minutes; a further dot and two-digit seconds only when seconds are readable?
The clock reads 4.06
